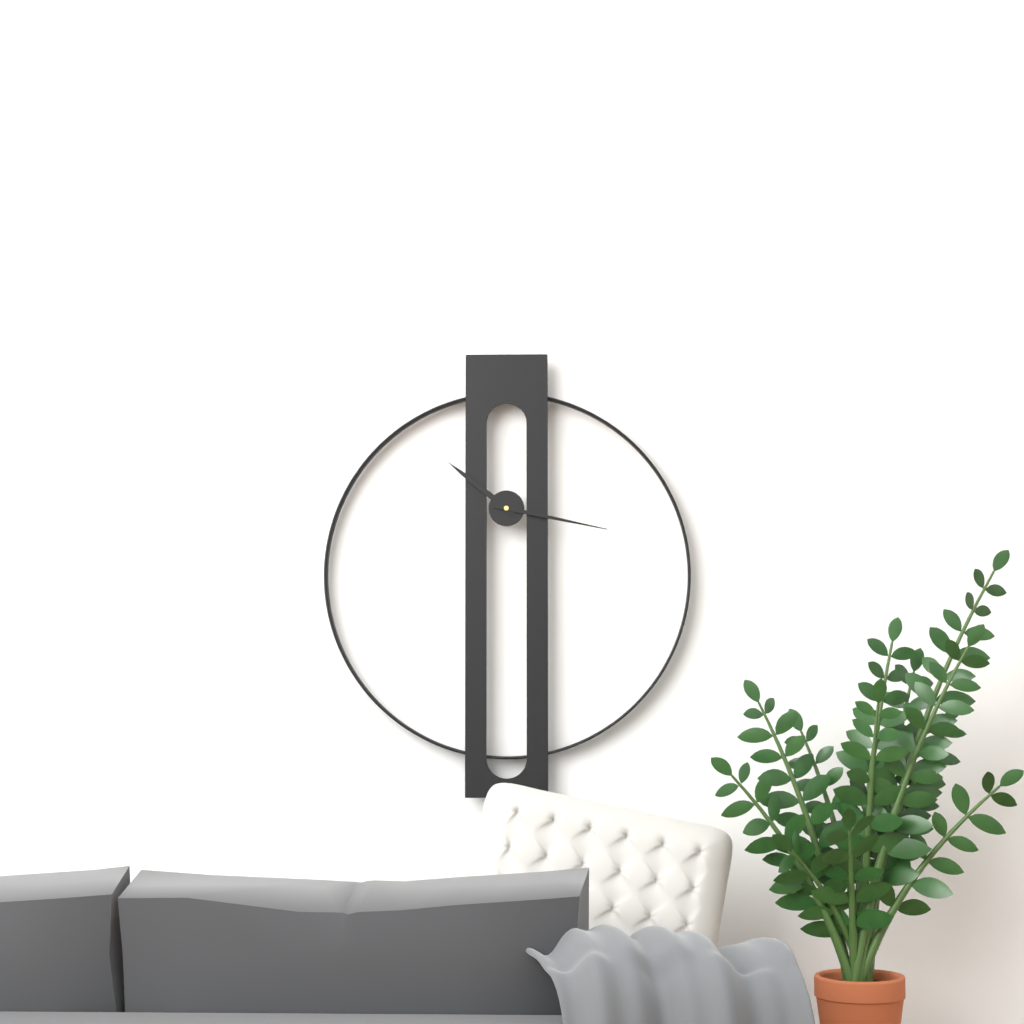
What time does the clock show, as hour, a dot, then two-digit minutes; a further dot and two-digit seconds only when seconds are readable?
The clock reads 10.17
